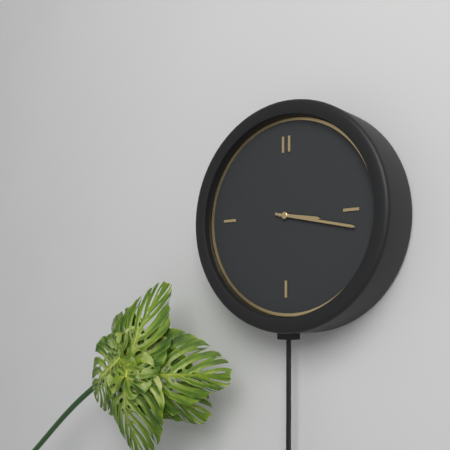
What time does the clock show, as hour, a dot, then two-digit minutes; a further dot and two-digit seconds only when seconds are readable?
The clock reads 3.17
